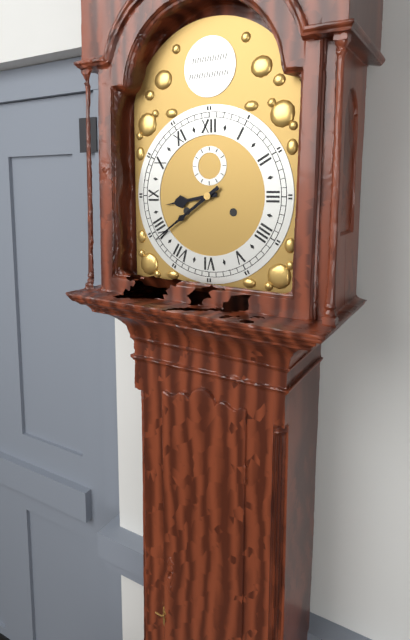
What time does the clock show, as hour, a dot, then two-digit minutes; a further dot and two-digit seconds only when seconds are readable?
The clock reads 8.39
